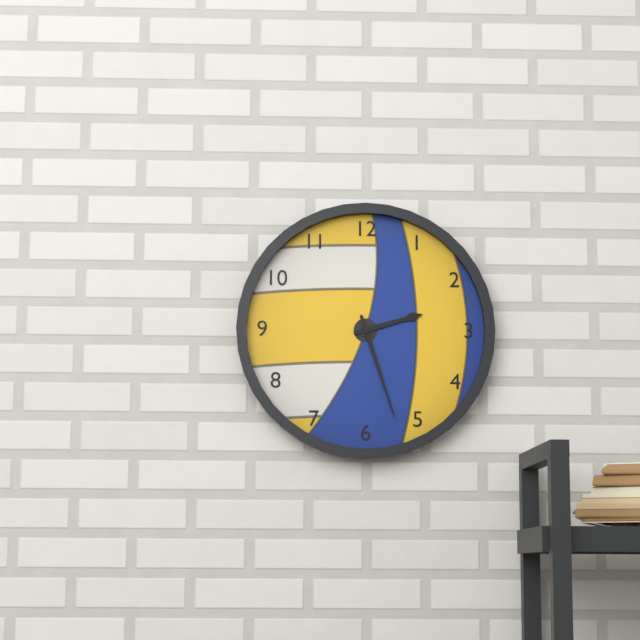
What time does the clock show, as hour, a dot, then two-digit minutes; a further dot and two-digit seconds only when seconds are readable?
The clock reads 2.27
